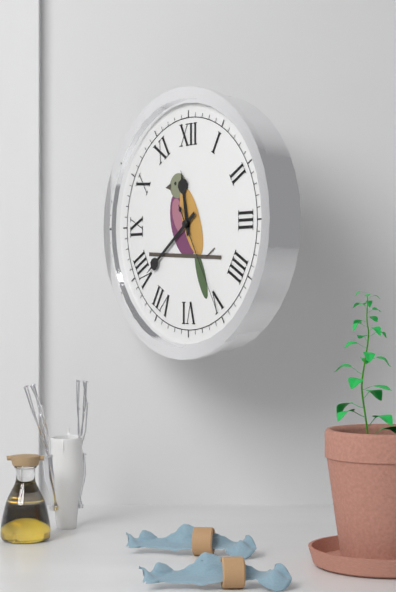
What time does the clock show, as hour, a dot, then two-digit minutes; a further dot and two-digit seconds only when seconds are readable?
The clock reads 11.39.25
